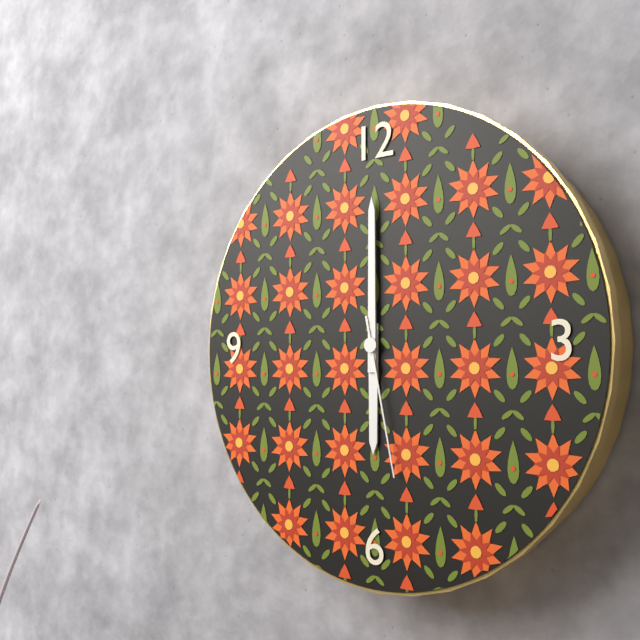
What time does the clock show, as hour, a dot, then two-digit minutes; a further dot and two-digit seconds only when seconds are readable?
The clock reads 6.00.28
